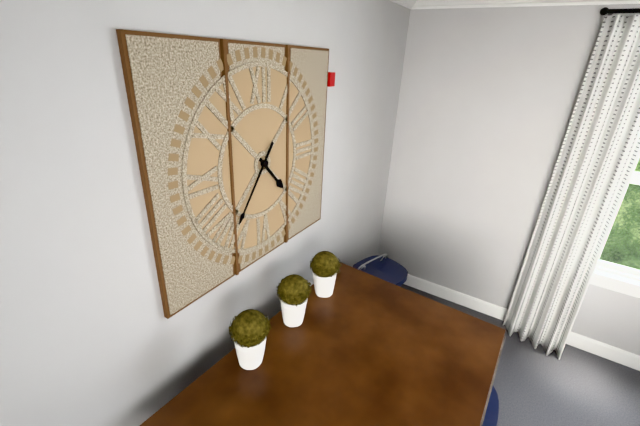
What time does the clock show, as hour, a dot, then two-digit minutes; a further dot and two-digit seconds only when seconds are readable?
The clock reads 4.36
